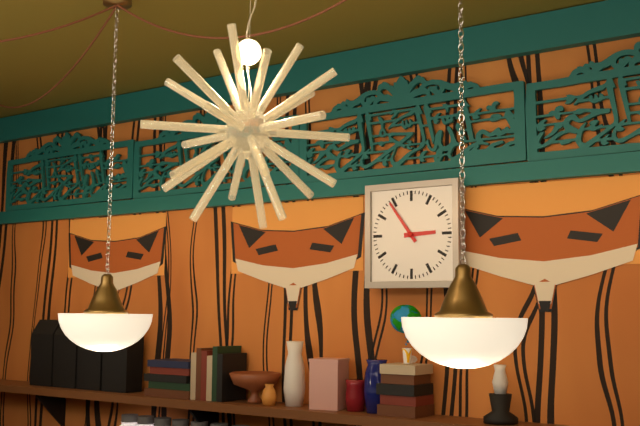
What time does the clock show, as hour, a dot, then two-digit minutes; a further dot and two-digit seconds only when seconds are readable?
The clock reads 2.54
